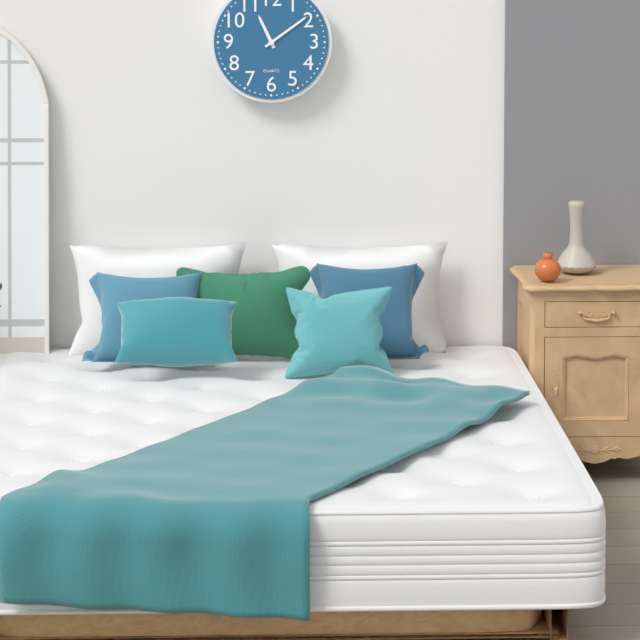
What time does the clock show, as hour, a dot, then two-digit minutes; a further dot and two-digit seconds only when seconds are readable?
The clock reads 11.09
